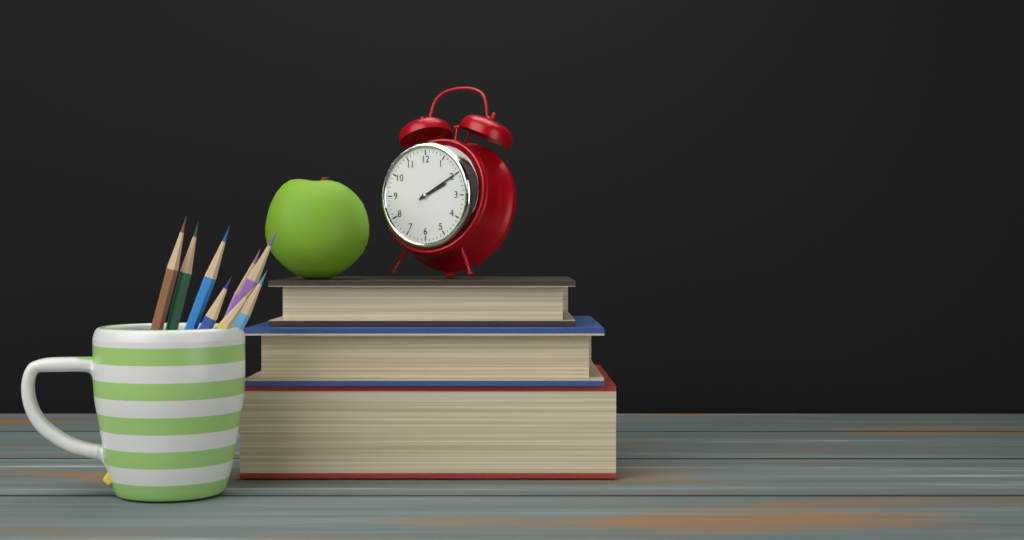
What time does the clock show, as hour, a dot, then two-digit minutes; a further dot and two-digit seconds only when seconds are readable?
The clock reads 2.10
